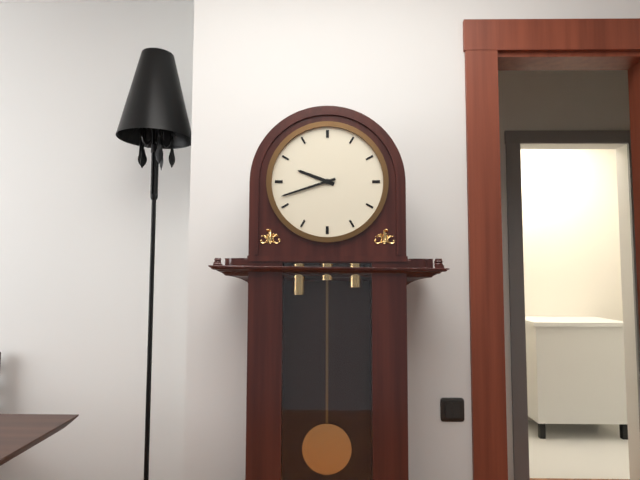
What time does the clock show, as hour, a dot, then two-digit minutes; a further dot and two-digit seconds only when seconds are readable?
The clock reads 9.42
